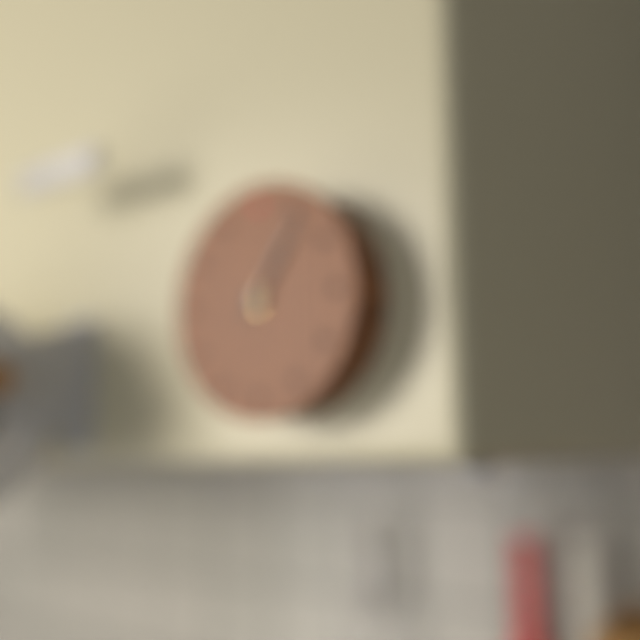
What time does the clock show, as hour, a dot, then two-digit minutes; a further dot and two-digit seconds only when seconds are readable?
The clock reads 1.06
